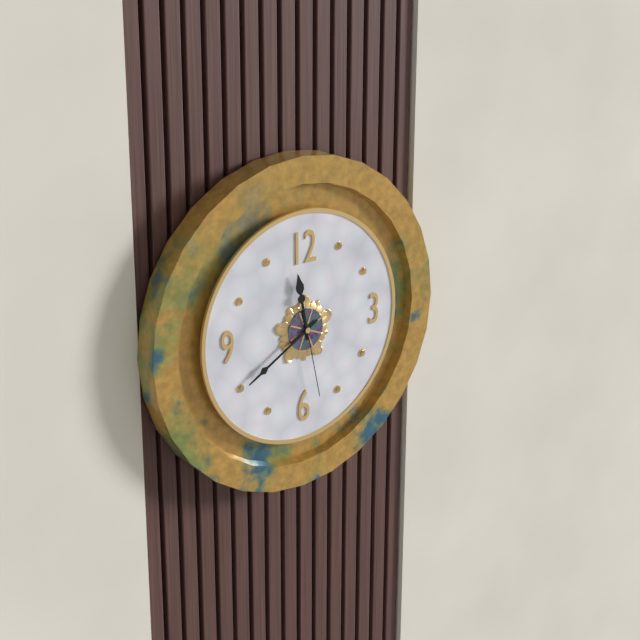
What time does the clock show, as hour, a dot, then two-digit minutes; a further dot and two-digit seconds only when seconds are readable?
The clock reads 11.40.28
